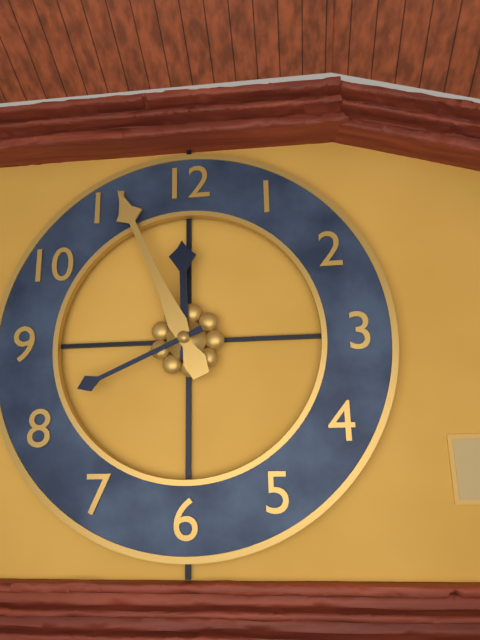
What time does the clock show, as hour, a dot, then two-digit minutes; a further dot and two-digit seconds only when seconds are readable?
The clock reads 11.56.41
